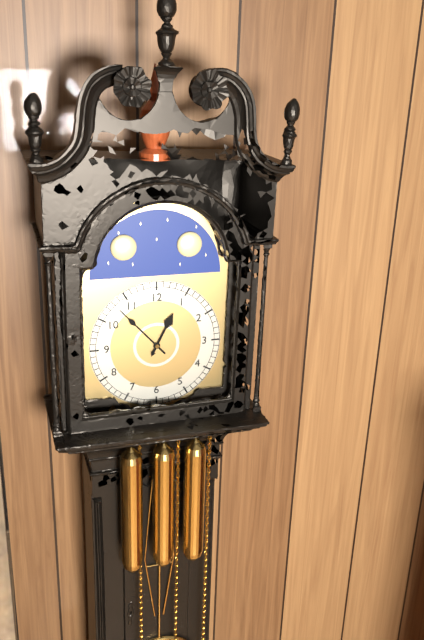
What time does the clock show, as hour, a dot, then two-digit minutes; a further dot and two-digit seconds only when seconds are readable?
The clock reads 12.53
